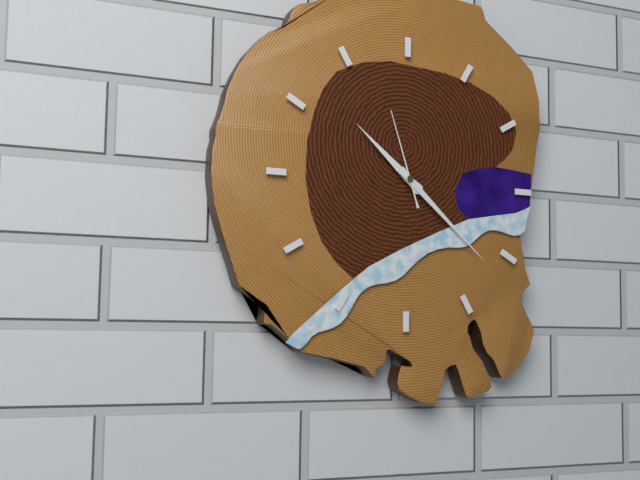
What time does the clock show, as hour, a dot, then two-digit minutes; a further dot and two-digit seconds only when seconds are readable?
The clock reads 10.22.57
